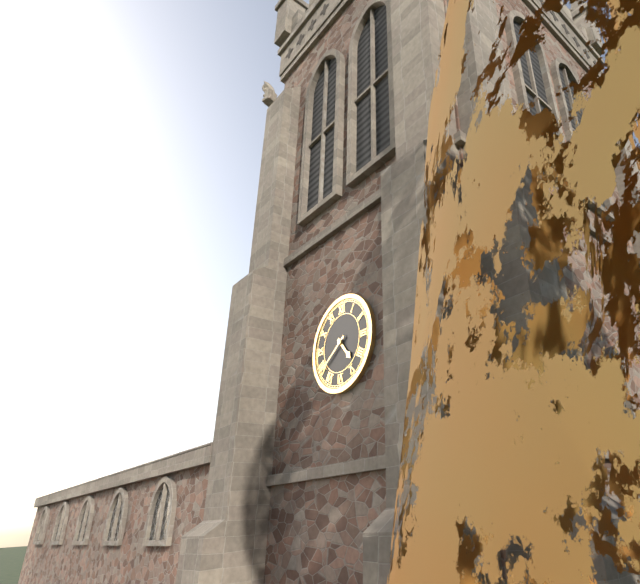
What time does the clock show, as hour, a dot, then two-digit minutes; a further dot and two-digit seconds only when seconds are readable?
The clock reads 4.39
